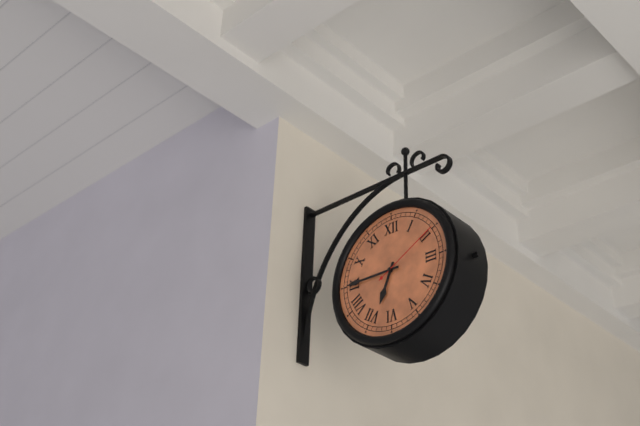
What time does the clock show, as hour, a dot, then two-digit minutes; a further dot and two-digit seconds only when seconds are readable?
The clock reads 6.45.10
